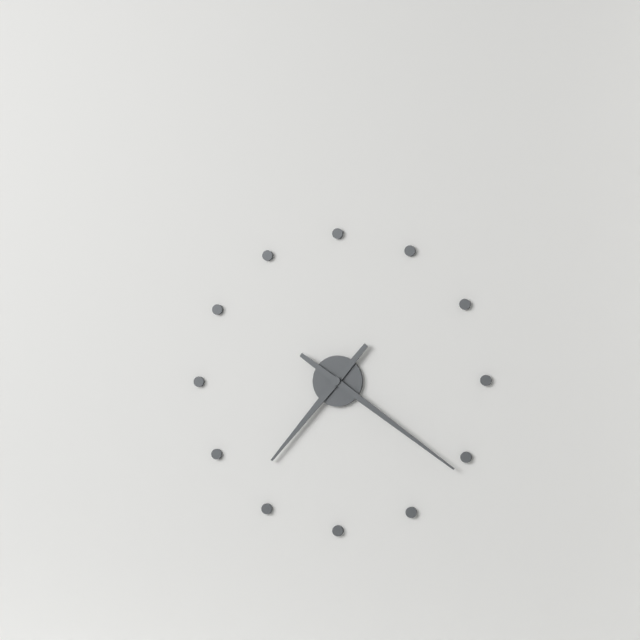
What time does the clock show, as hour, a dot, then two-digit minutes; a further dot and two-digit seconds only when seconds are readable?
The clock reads 7.21
